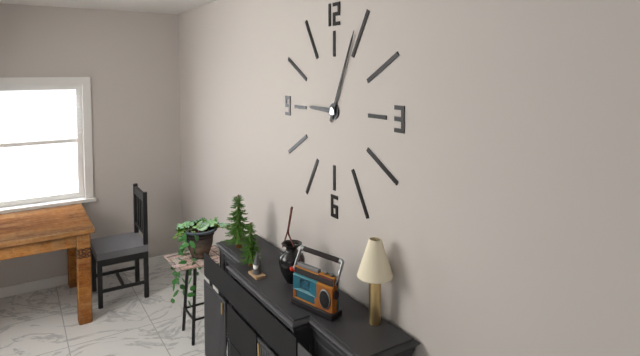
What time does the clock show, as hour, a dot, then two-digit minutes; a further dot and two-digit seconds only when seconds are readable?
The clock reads 9.04
